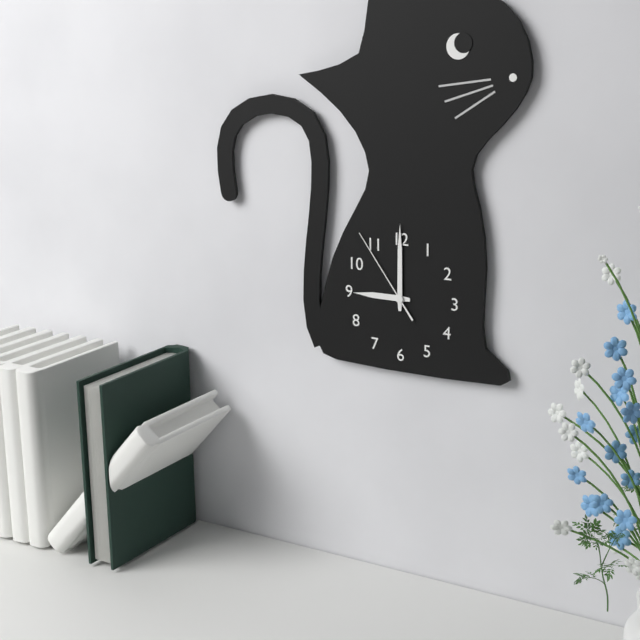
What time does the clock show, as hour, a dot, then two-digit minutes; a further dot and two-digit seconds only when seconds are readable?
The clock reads 9.00.54
